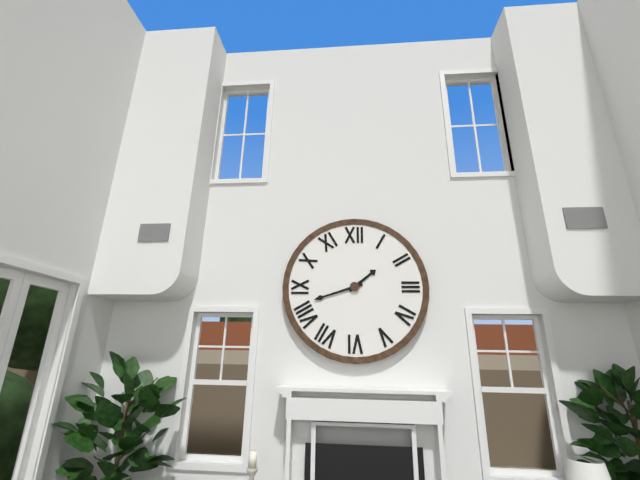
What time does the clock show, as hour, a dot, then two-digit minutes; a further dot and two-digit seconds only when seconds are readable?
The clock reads 1.42
